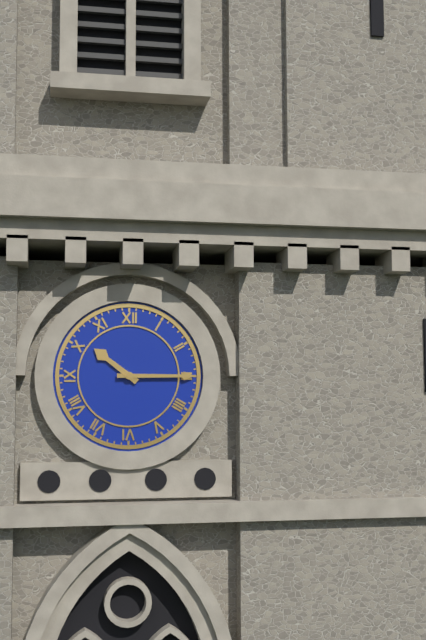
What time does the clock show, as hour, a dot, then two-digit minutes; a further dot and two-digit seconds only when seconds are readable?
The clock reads 10.15
